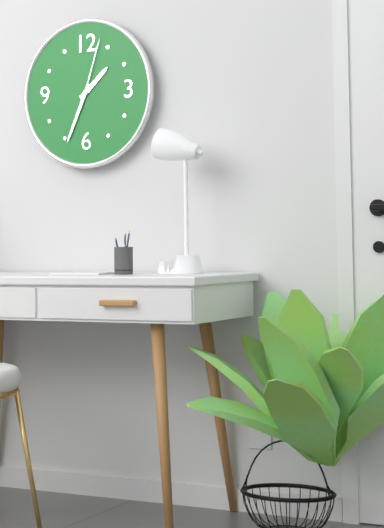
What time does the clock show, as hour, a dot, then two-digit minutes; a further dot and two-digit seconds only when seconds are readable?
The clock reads 1.34.03
